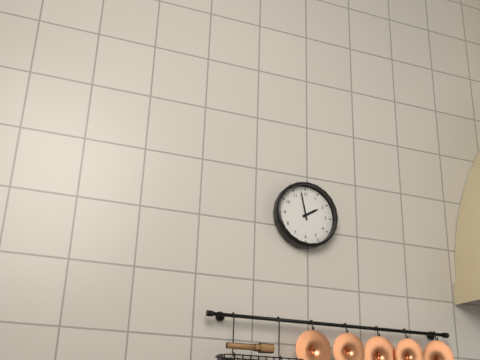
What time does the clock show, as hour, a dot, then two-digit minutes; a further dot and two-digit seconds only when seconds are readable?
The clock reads 1.58
